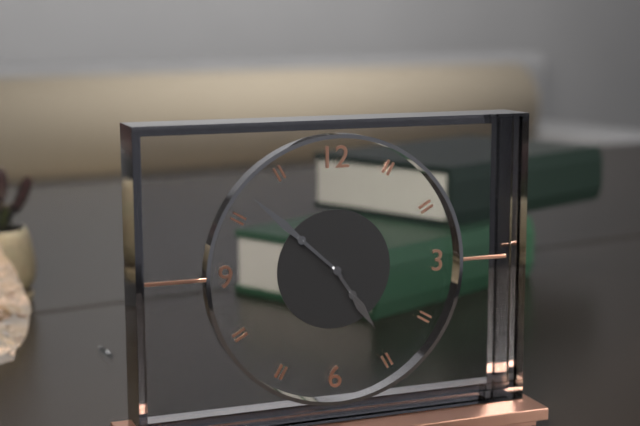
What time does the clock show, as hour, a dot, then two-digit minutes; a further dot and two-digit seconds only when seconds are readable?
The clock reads 4.52
